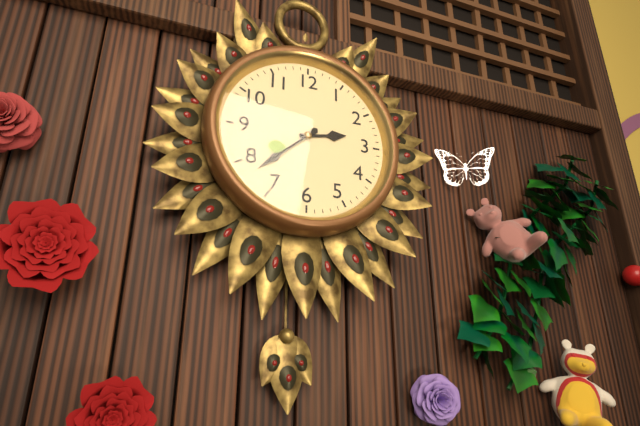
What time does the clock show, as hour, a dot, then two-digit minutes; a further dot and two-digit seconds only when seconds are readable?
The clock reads 2.38
